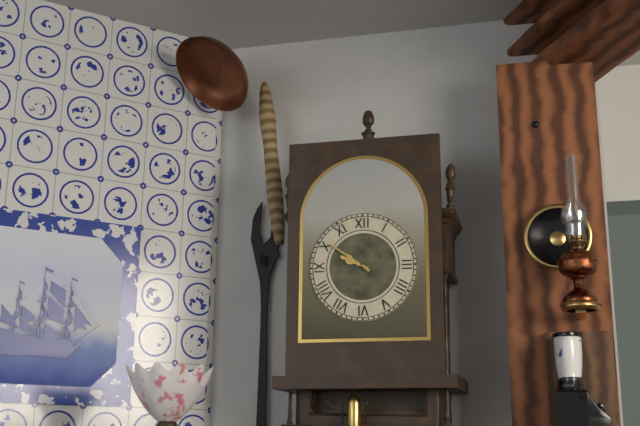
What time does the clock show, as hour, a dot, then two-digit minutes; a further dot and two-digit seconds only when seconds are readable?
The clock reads 9.51
